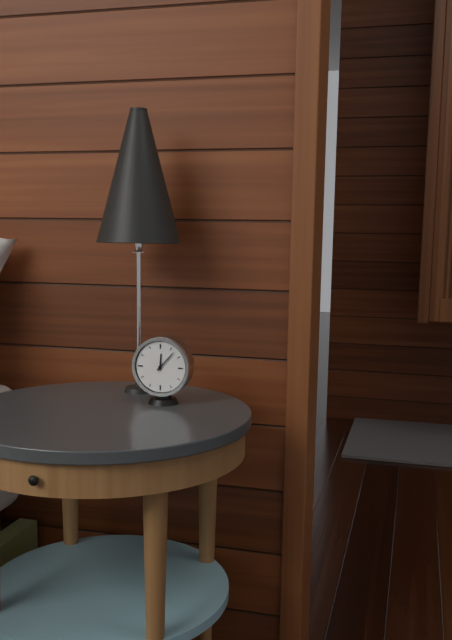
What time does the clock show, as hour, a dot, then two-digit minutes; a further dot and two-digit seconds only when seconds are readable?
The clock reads 12.07
